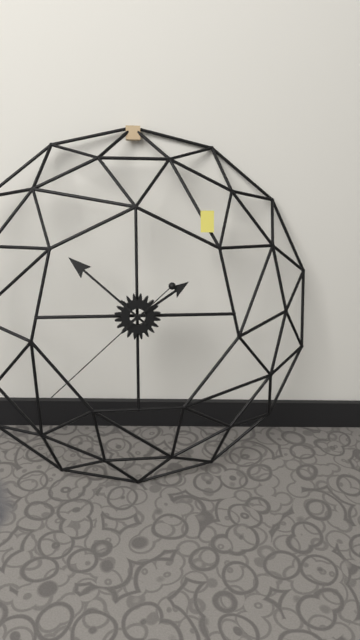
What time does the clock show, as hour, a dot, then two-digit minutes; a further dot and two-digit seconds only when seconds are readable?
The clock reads 1.52.38
